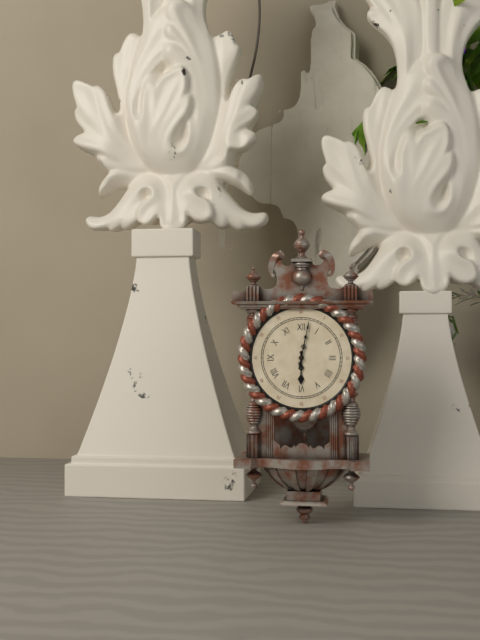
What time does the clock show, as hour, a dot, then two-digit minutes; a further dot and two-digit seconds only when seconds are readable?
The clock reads 6.02
